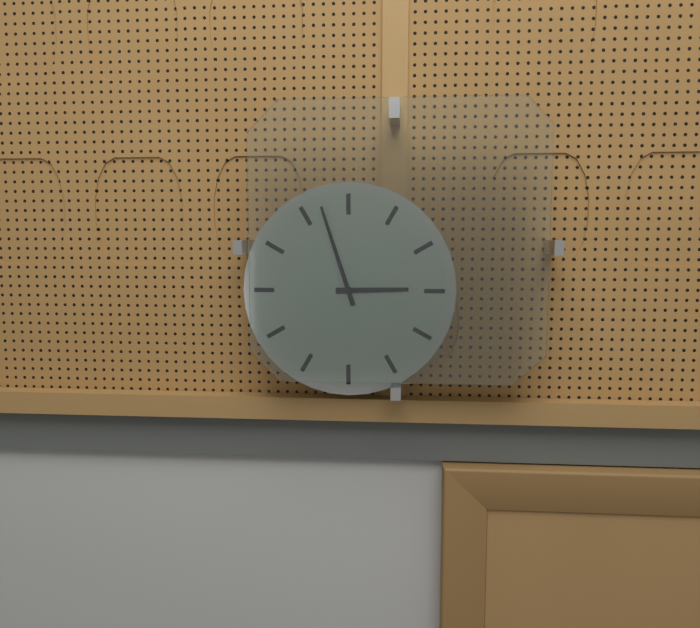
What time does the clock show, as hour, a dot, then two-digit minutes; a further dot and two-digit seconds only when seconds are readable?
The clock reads 2.57
